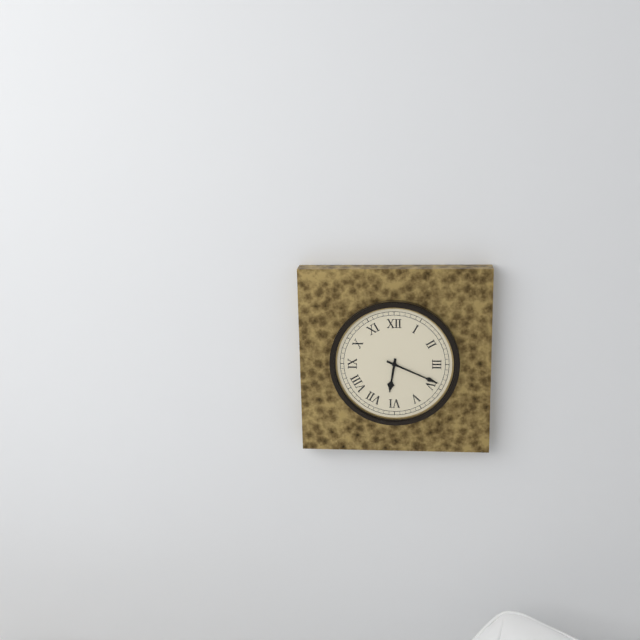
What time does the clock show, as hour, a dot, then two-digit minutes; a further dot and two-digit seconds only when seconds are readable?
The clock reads 6.19
